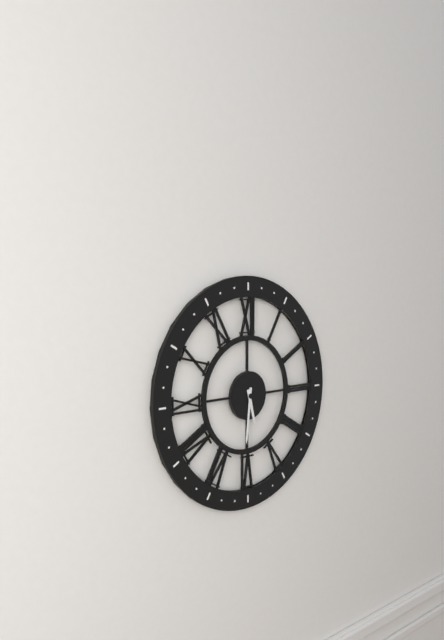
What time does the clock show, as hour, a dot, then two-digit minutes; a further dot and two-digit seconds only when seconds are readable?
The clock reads 5.31
